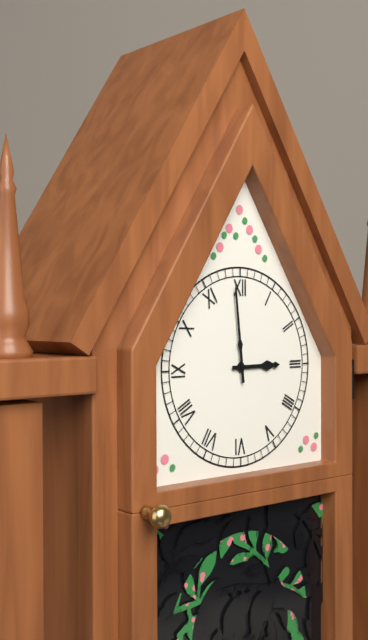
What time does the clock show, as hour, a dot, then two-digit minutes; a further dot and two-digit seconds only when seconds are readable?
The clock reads 2.59
